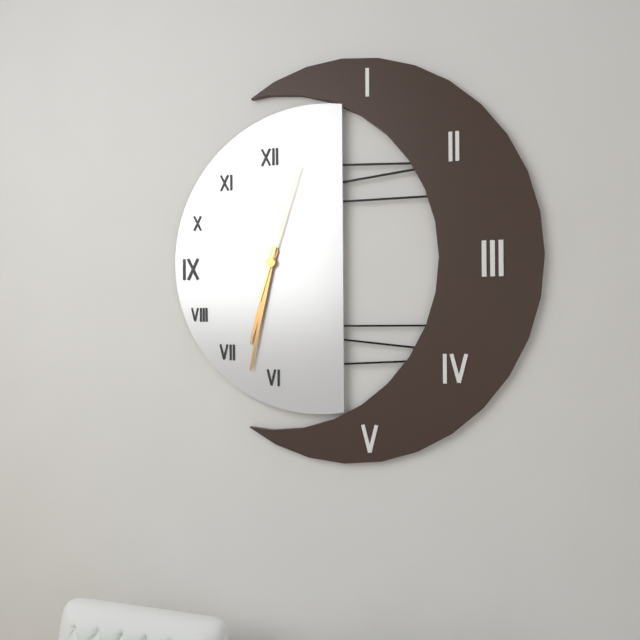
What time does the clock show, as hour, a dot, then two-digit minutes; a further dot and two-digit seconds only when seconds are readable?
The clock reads 6.32.03
